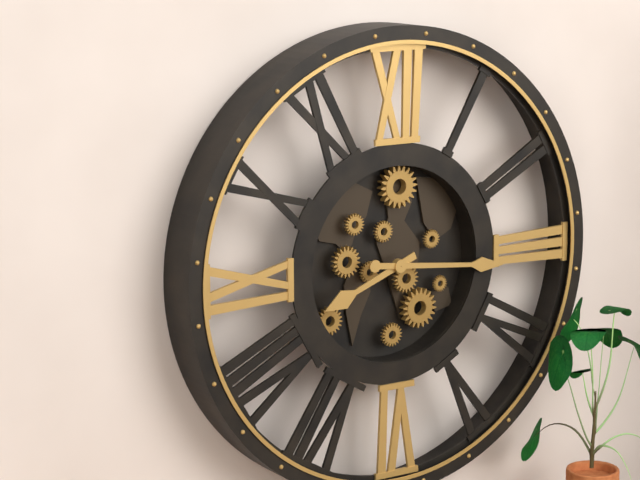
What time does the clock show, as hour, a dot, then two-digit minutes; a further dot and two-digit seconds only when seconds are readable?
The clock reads 8.16
